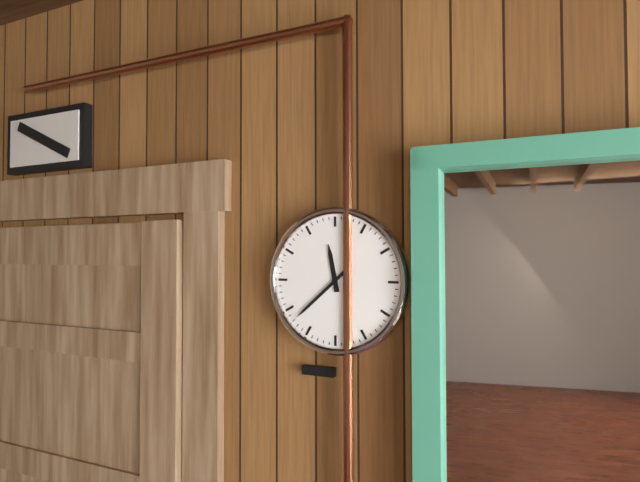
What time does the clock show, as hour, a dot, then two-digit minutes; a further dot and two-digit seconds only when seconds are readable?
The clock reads 11.38
